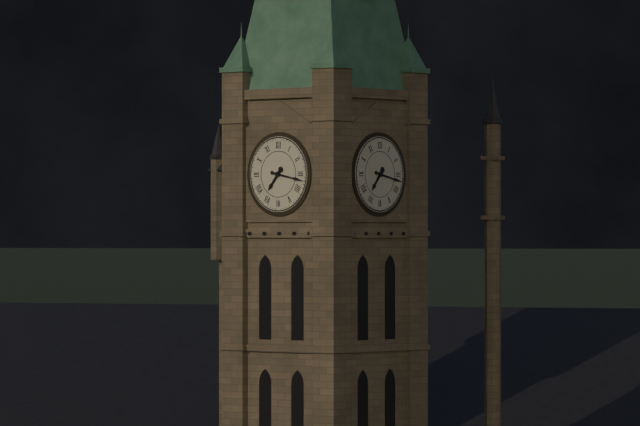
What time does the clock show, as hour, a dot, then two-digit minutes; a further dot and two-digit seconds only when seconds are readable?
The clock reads 7.17
